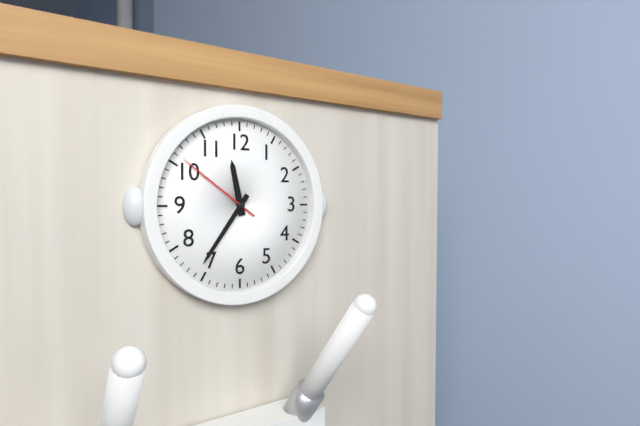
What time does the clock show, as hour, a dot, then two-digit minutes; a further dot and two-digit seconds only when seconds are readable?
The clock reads 11.36.51
